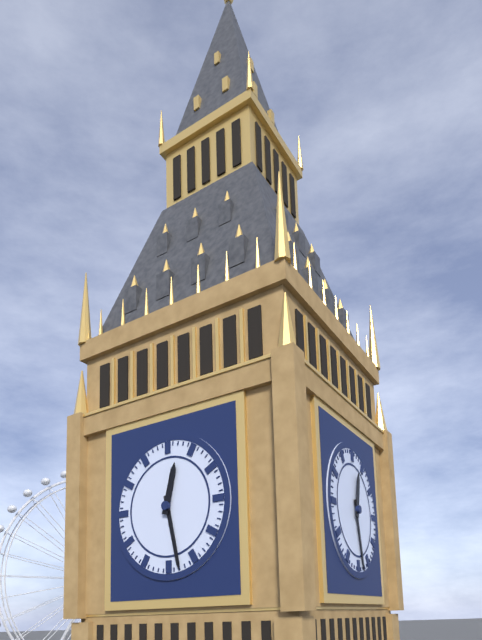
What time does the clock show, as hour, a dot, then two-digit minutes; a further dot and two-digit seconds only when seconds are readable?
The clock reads 12.28
